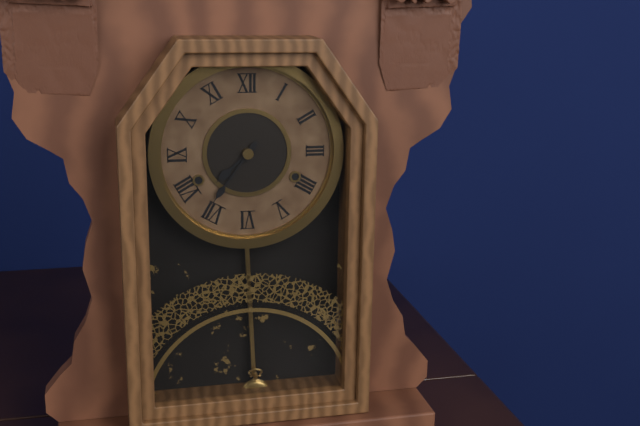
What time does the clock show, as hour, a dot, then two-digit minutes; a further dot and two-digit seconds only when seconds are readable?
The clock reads 7.36
